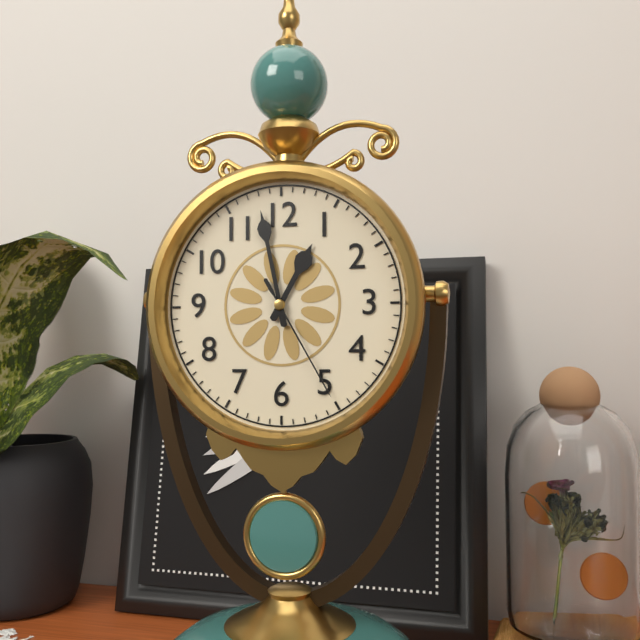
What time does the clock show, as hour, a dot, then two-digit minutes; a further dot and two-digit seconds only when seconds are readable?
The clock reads 12.58.25
